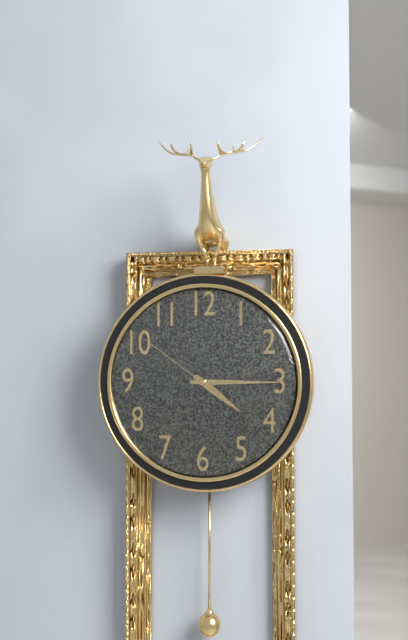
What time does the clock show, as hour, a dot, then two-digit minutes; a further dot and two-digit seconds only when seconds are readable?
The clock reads 4.15.51
